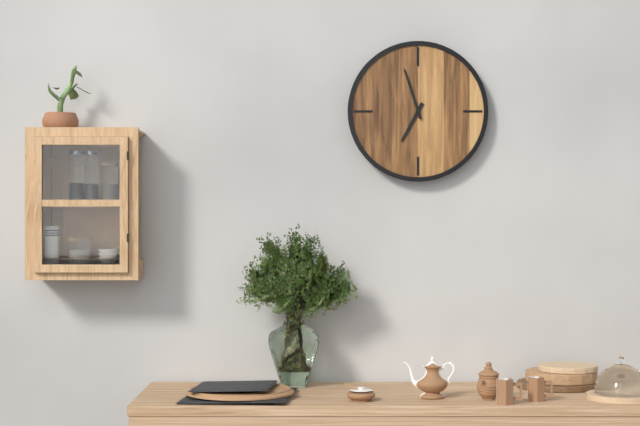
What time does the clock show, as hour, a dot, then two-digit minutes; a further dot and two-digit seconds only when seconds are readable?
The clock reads 6.57
